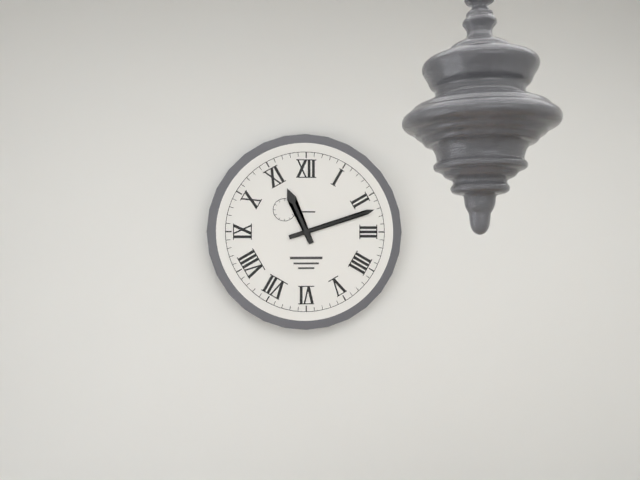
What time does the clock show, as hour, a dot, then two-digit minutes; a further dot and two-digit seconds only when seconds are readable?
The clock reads 11.12
